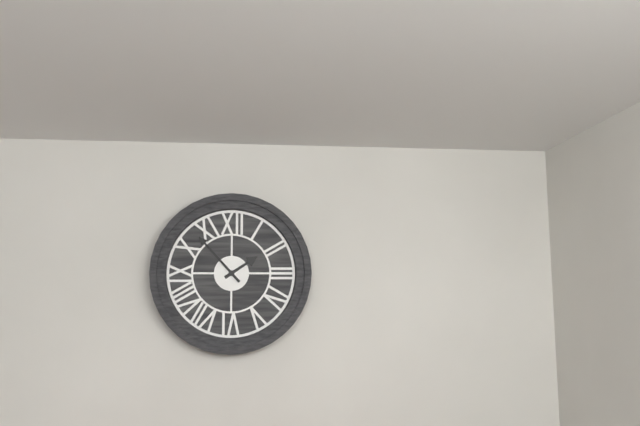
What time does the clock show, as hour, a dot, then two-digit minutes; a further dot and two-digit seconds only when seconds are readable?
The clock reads 1.53
